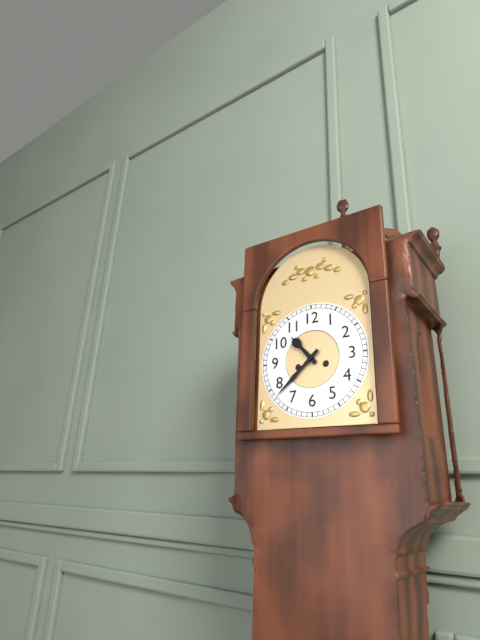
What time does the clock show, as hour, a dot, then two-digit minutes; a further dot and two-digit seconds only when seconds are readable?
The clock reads 10.38
